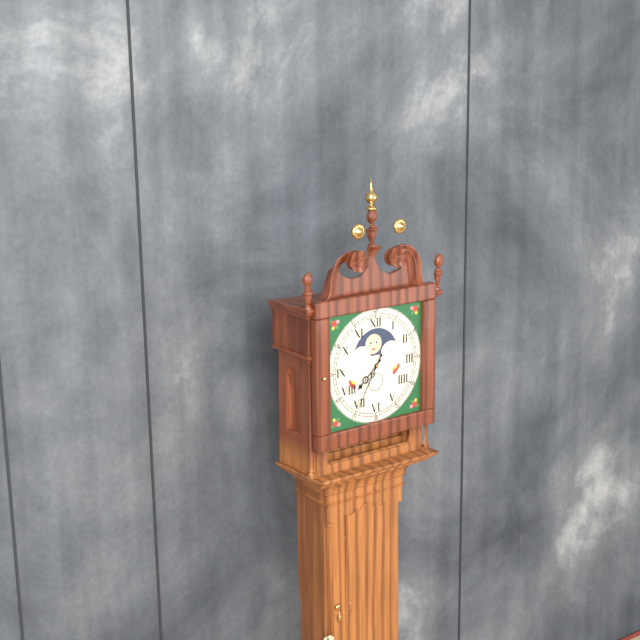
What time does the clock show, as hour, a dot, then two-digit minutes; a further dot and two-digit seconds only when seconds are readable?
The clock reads 7.35
